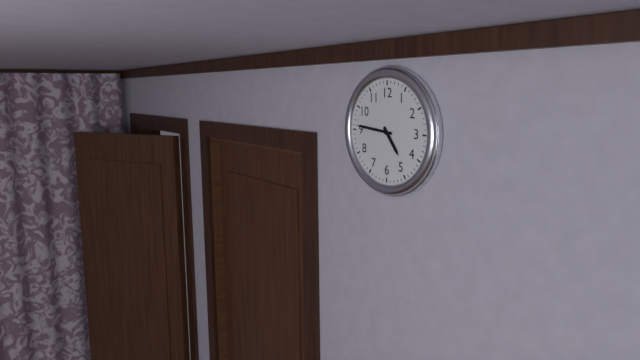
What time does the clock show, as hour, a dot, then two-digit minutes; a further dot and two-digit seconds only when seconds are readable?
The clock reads 4.46
